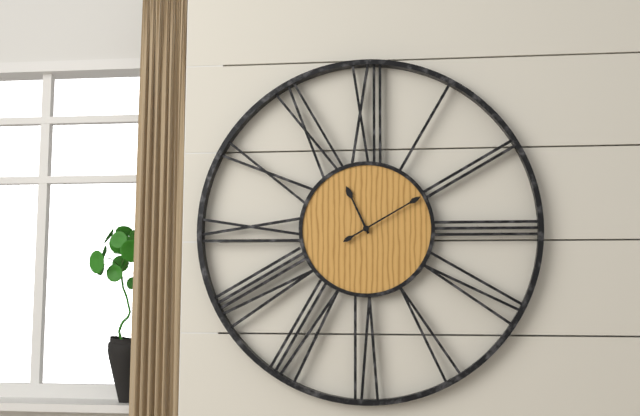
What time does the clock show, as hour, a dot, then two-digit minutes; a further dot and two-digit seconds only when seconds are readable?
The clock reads 11.10
